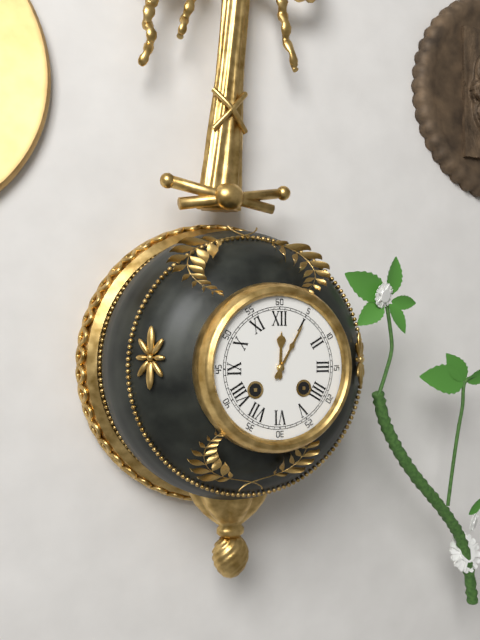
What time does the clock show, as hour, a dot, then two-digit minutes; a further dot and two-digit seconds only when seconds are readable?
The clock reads 12.05
